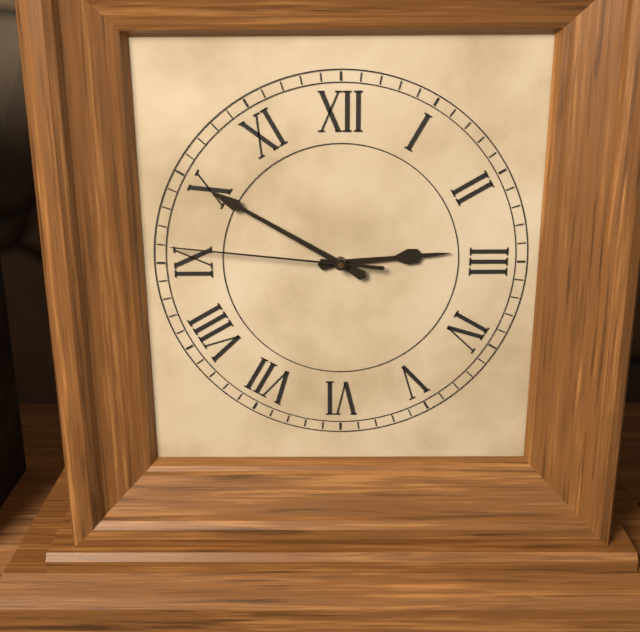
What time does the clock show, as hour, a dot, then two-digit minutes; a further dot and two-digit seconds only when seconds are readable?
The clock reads 2.50.46
